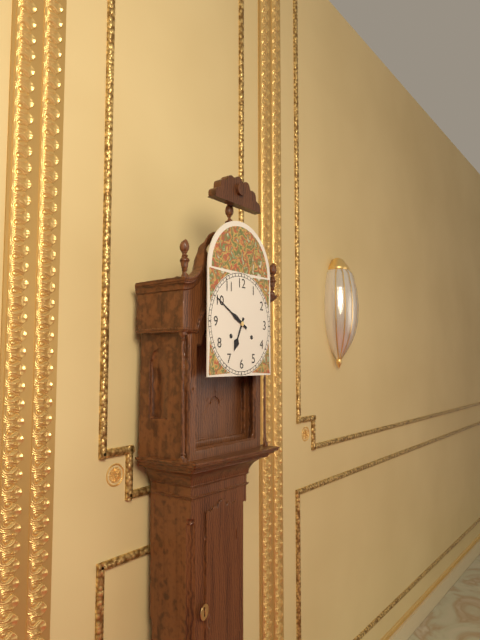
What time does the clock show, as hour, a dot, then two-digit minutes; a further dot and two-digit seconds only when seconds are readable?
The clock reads 6.50
